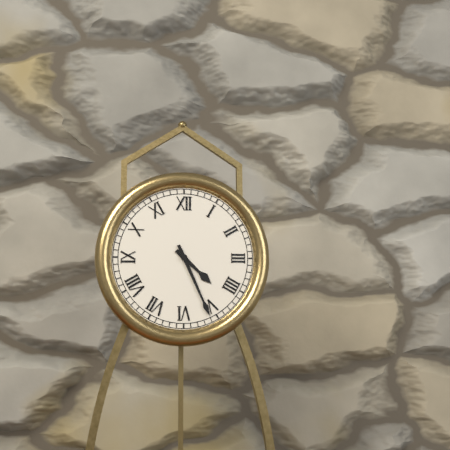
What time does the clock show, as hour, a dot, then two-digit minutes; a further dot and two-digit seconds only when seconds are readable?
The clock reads 4.26
